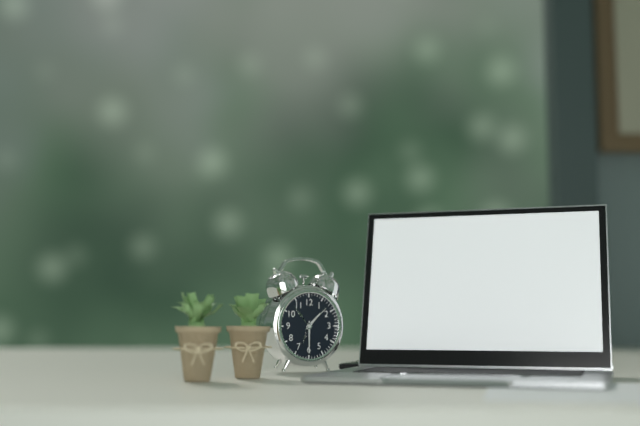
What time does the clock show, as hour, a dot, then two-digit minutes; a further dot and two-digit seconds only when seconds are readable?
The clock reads 1.30
